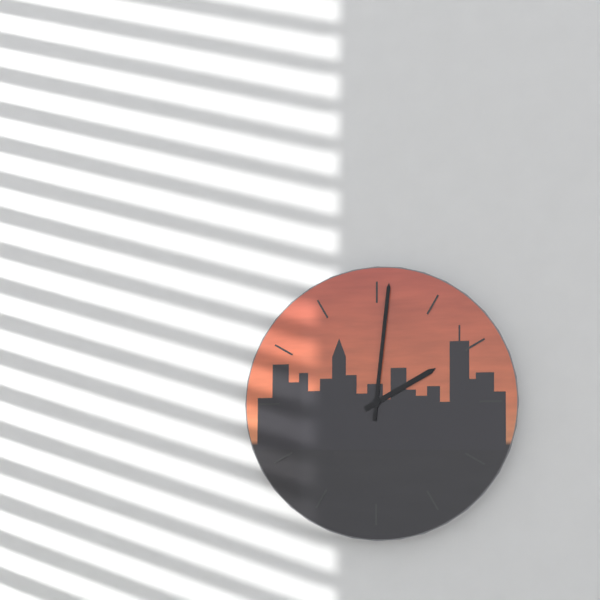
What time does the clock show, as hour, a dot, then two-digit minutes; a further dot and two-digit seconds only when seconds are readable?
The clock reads 2.01
